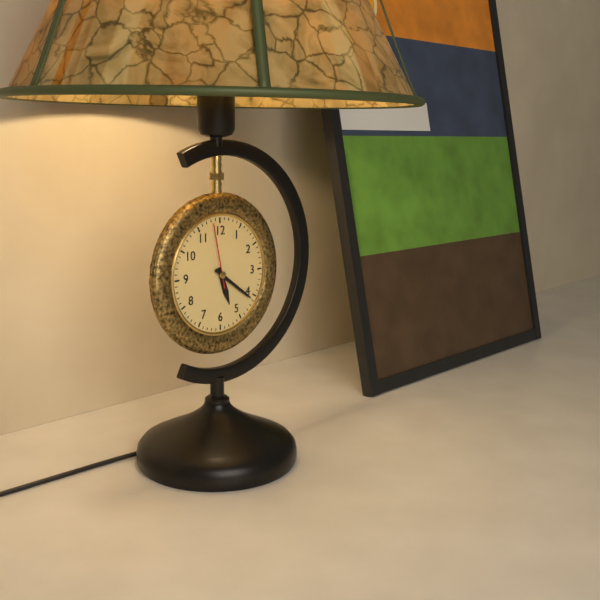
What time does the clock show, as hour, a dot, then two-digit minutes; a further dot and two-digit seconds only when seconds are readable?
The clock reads 5.21.58
